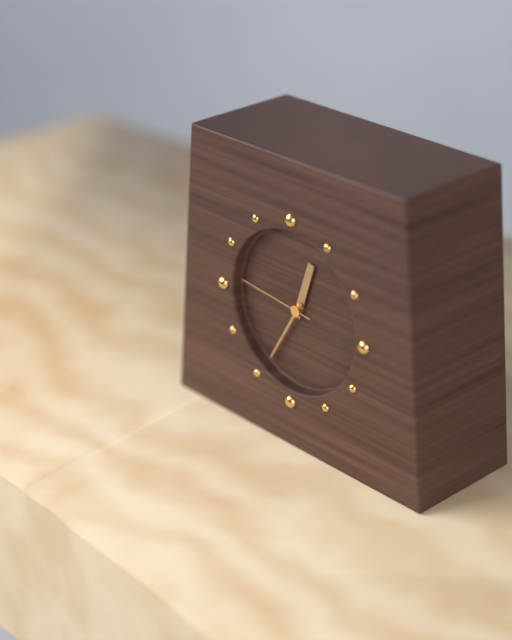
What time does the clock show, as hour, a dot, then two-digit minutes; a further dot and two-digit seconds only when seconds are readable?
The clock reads 12.35.46
